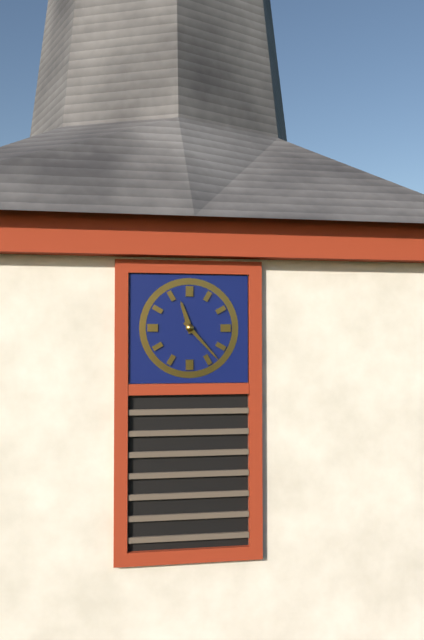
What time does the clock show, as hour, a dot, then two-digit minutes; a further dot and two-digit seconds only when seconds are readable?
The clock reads 11.23
